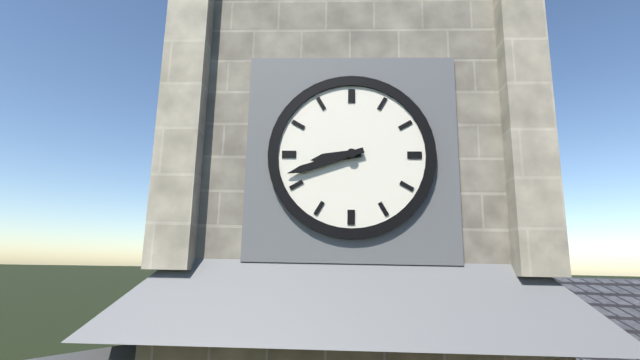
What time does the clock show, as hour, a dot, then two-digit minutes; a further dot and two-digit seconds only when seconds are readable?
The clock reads 8.42
